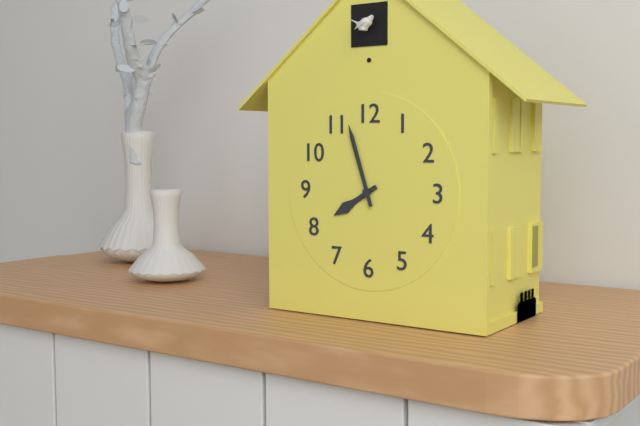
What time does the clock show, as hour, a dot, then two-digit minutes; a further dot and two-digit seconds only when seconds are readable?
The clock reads 7.57
